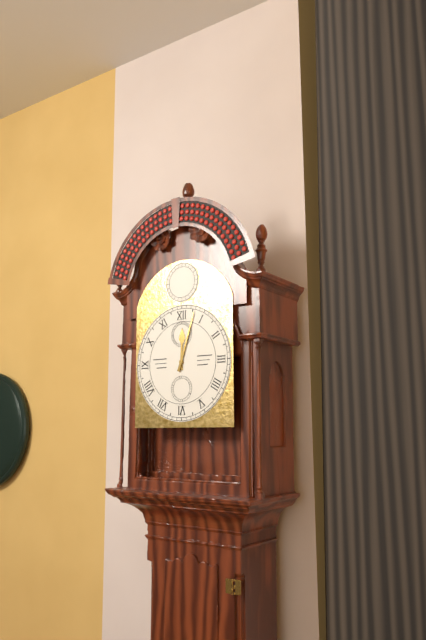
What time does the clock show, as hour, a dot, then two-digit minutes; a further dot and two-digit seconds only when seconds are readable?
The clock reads 12.03
